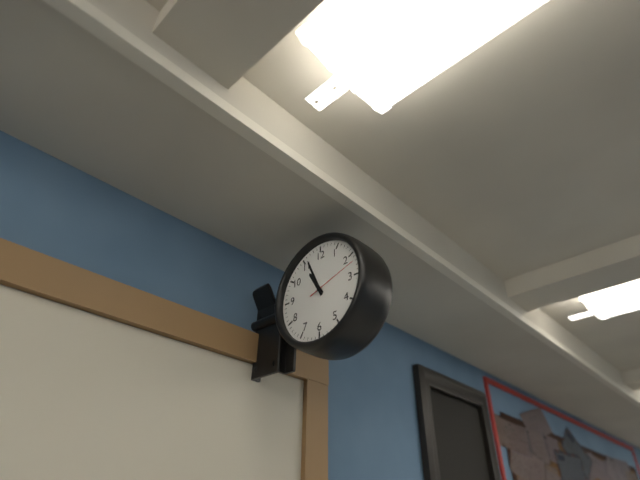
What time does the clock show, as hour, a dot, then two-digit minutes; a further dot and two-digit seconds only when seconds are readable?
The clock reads 10.56.12
